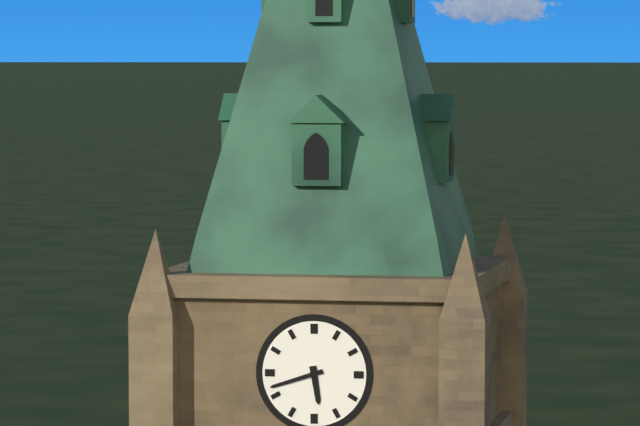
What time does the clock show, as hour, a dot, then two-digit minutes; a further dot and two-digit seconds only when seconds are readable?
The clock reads 5.42
